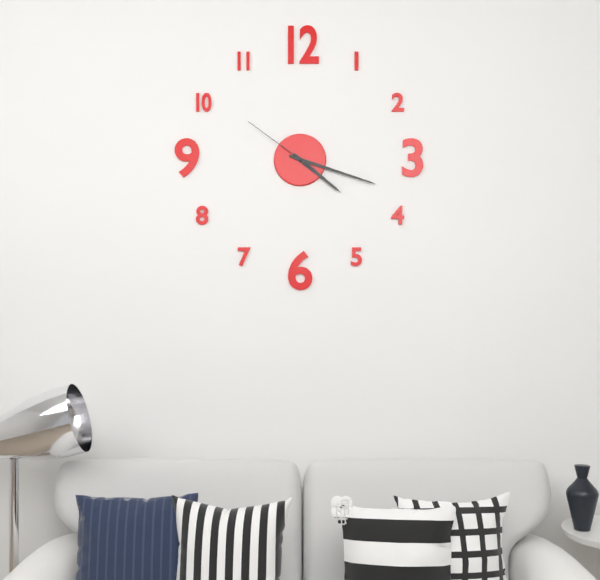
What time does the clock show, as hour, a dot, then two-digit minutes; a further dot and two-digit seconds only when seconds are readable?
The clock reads 4.18.51
